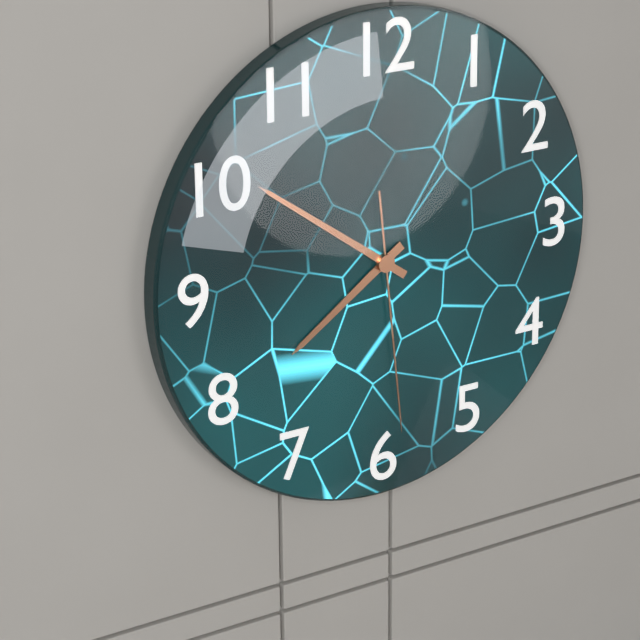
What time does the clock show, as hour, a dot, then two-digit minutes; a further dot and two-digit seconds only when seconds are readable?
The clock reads 7.51.29
